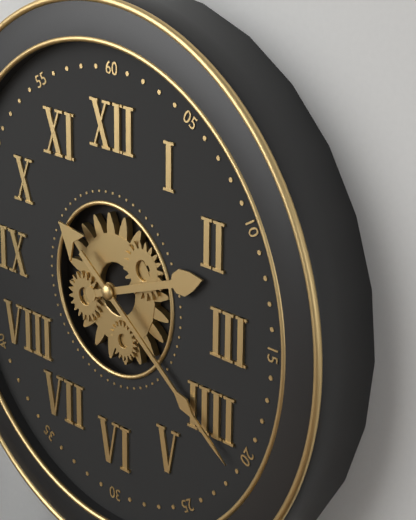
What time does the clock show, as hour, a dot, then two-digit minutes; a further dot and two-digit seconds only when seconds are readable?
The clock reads 2.21
